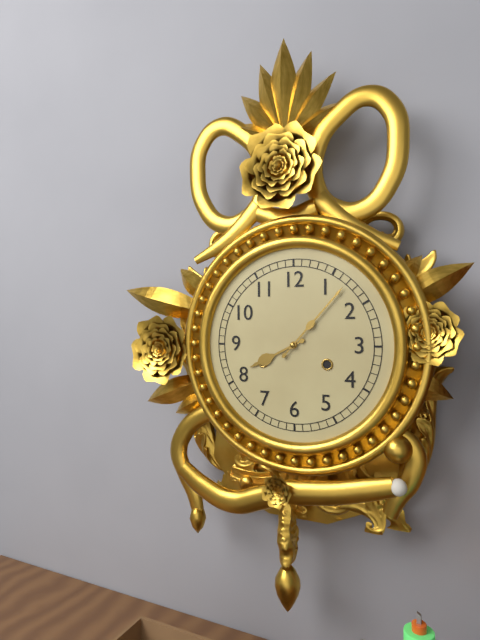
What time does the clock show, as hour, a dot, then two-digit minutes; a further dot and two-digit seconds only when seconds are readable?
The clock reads 8.07
